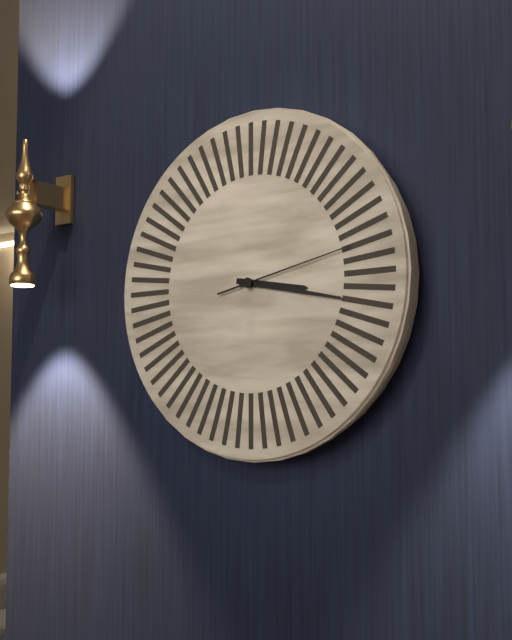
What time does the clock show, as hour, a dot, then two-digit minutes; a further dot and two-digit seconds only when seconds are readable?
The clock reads 3.17.13
